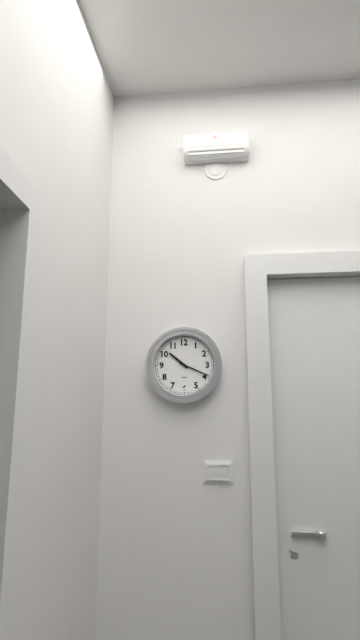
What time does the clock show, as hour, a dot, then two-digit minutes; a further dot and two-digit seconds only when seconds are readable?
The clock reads 10.19
